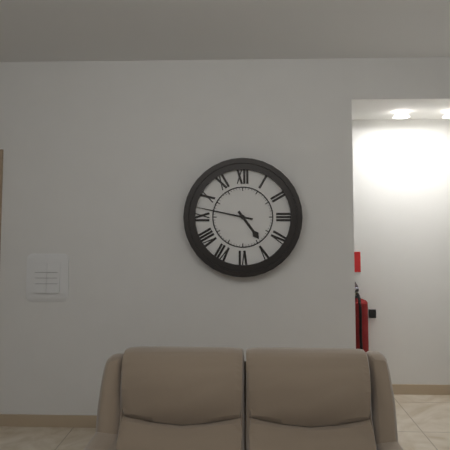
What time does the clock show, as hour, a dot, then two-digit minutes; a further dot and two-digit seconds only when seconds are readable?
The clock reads 4.47
